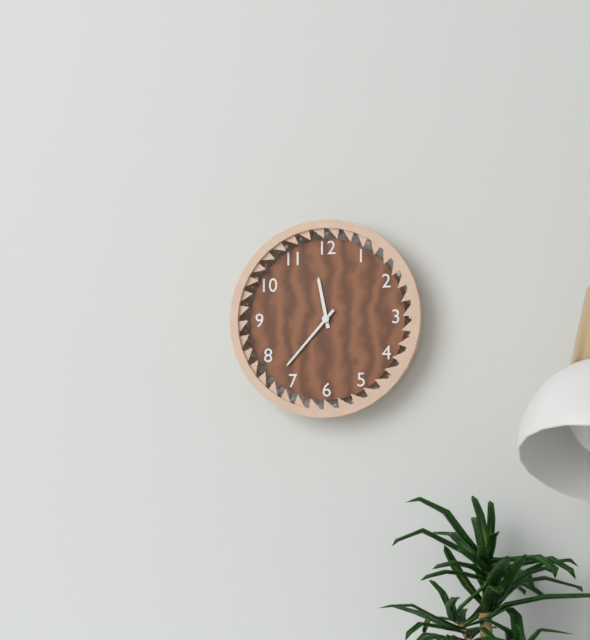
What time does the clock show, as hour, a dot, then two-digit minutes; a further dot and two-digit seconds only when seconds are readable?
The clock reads 11.37
